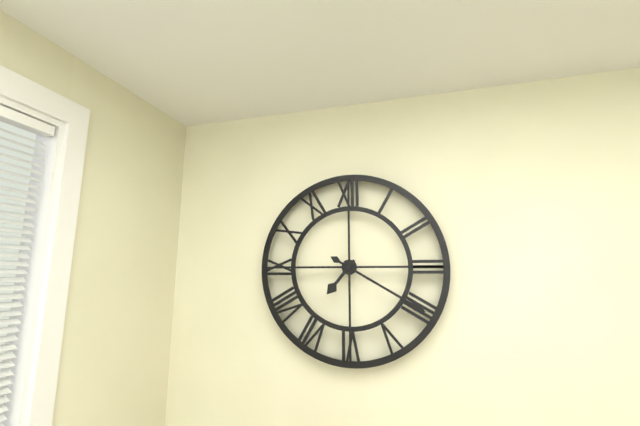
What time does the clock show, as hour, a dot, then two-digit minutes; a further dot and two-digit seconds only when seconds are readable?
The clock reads 7.20
